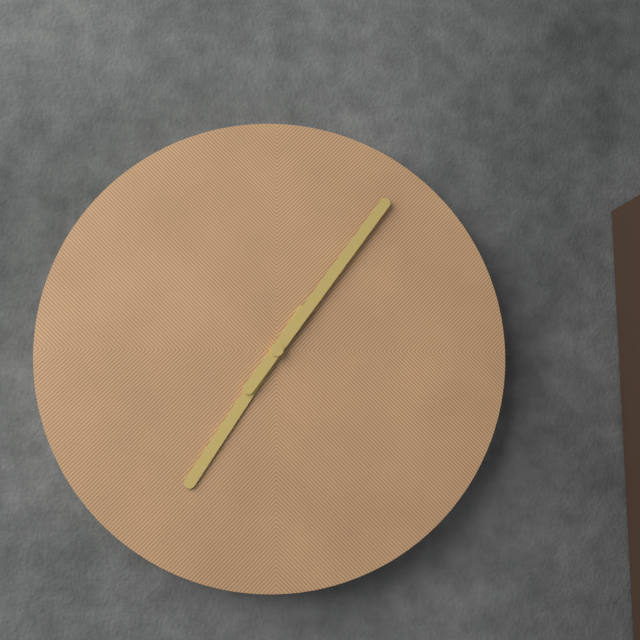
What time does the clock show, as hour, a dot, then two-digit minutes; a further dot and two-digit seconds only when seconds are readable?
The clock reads 7.06
